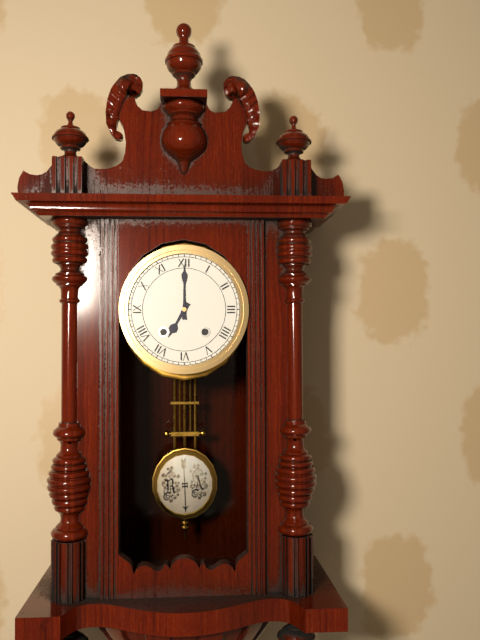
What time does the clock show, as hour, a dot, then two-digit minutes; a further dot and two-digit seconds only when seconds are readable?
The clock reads 7.00
